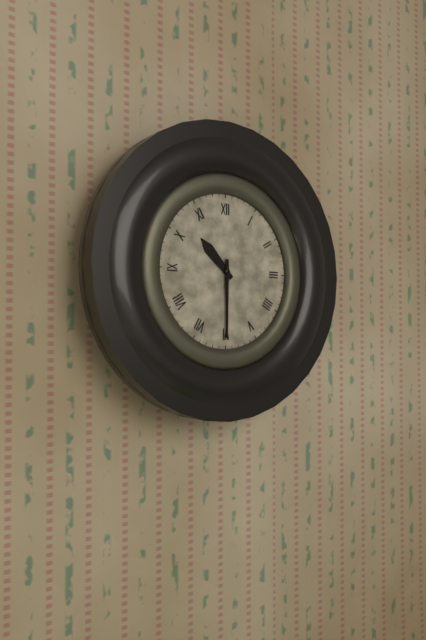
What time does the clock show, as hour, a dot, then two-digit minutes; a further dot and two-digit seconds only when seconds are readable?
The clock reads 10.30
